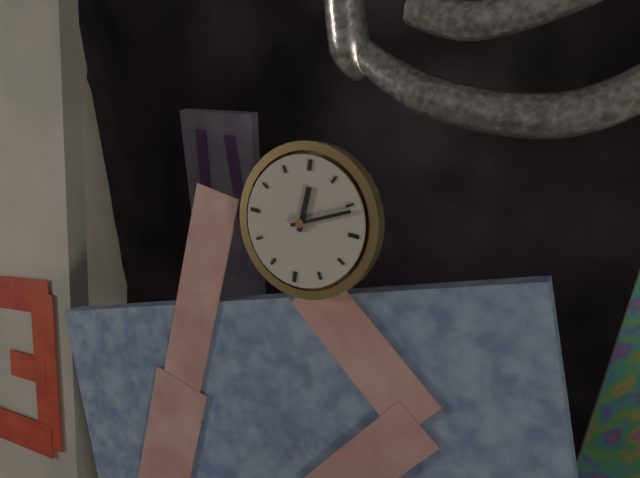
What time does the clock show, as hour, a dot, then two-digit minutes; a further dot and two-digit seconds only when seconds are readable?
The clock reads 12.11
